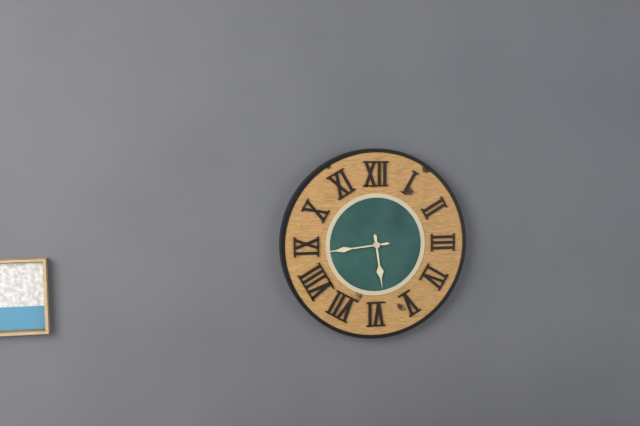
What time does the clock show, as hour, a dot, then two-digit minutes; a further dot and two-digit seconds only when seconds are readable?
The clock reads 5.44
